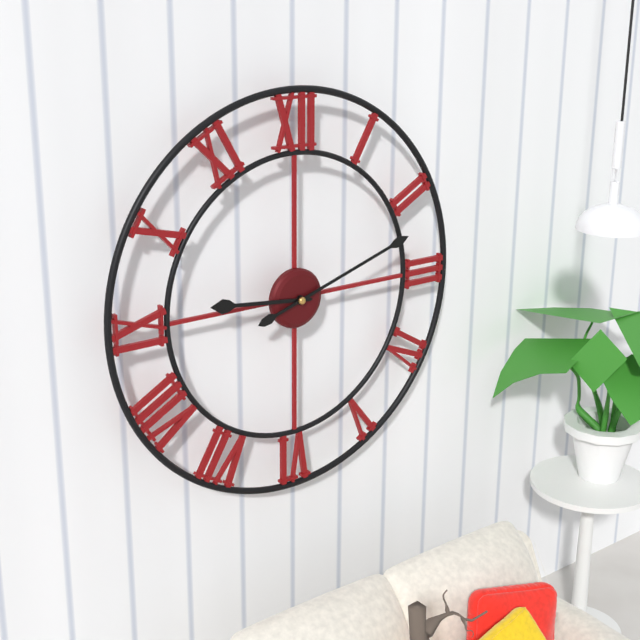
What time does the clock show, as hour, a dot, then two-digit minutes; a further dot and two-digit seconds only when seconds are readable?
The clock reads 9.12
